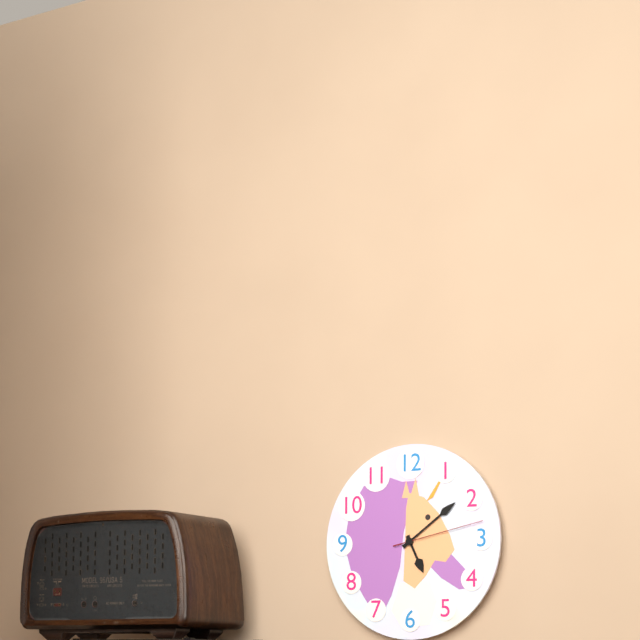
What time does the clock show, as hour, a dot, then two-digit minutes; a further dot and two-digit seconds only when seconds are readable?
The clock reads 5.09.13
